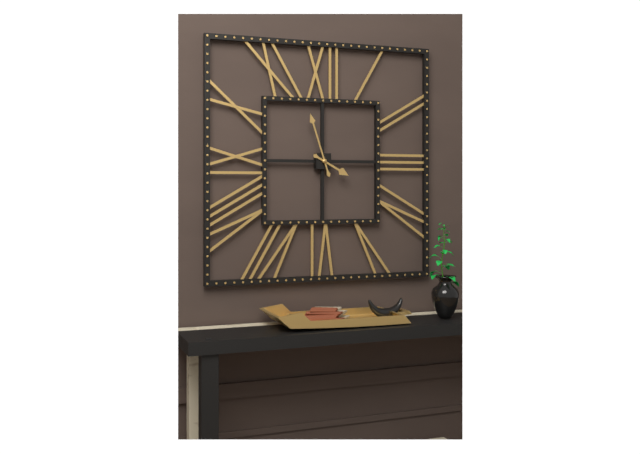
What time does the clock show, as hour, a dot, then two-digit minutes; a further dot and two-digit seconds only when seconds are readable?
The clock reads 3.57
